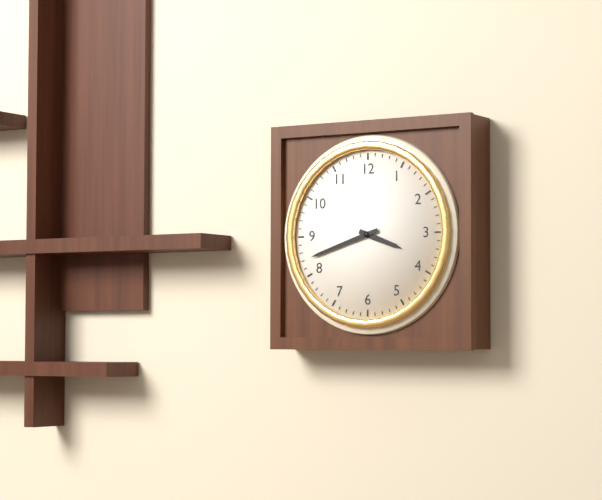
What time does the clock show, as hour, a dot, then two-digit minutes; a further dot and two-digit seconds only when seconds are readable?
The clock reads 3.42
